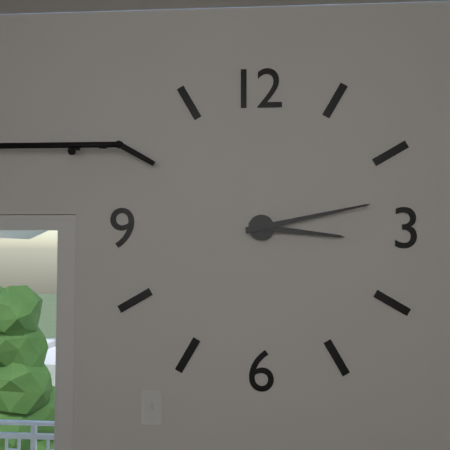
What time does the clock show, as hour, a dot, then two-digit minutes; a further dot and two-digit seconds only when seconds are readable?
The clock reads 3.13
